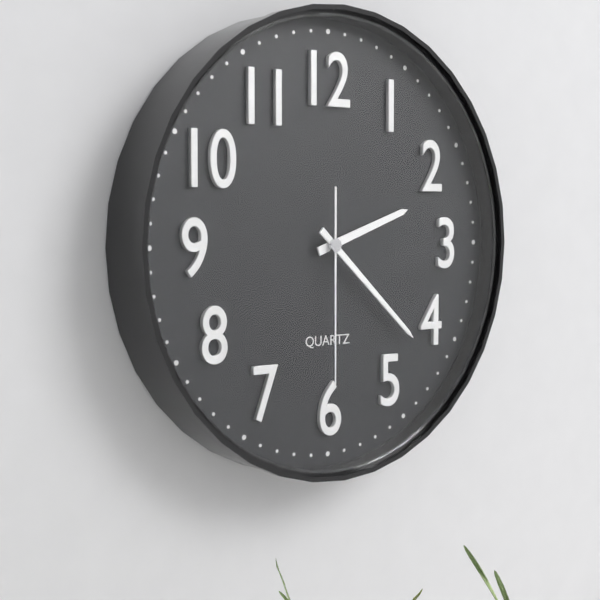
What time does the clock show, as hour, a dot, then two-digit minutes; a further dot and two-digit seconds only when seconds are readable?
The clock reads 2.22.30
